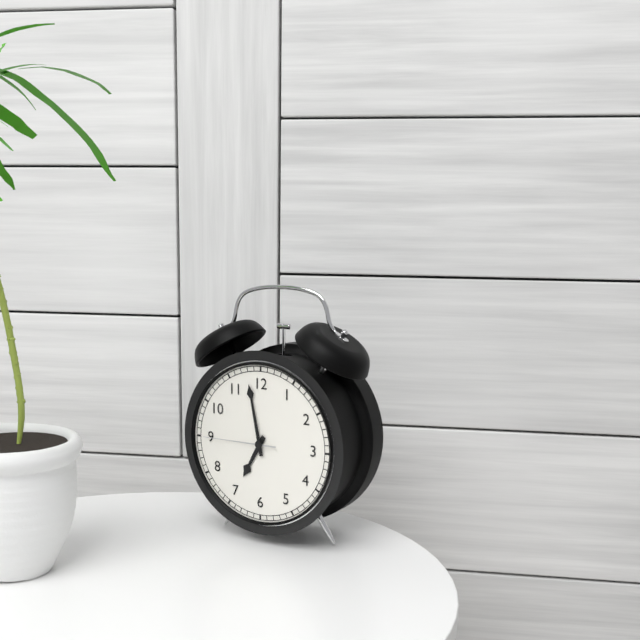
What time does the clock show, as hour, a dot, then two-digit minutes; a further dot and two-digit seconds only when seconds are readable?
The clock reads 6.58.45
